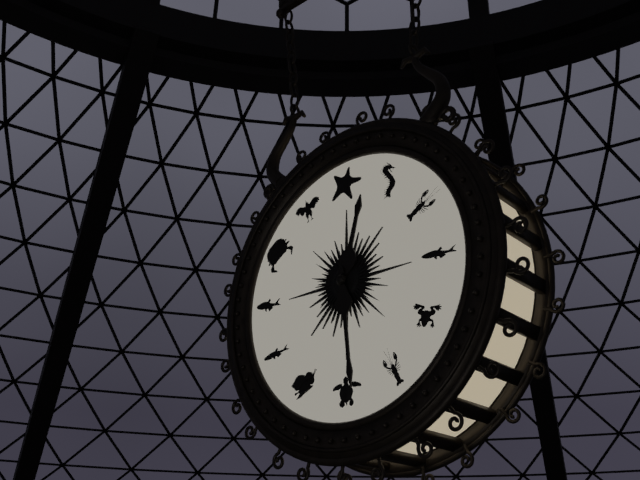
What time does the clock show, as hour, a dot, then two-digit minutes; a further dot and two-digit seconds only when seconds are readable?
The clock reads 12.29
